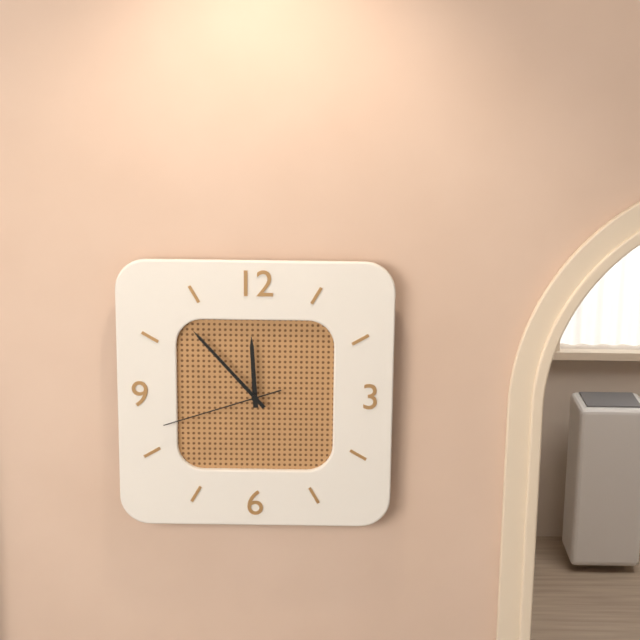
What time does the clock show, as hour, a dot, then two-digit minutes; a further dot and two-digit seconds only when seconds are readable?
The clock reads 11.53.42
